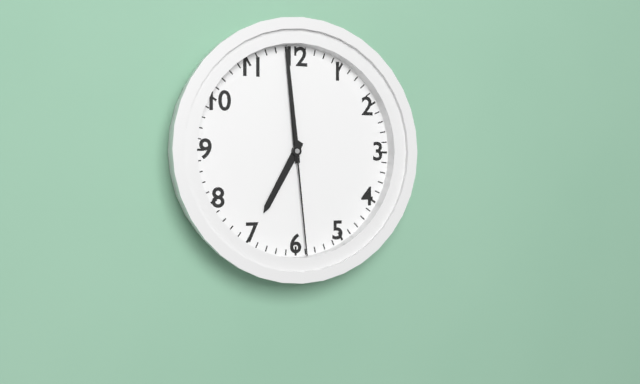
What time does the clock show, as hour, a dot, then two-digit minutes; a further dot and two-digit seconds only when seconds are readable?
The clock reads 6.59.29
